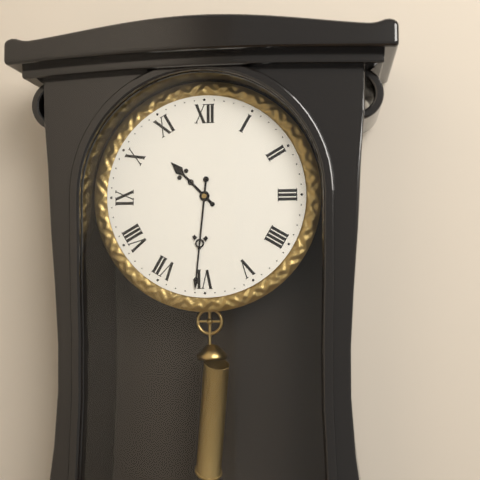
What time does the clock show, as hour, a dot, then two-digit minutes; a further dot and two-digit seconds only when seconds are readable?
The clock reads 10.31
